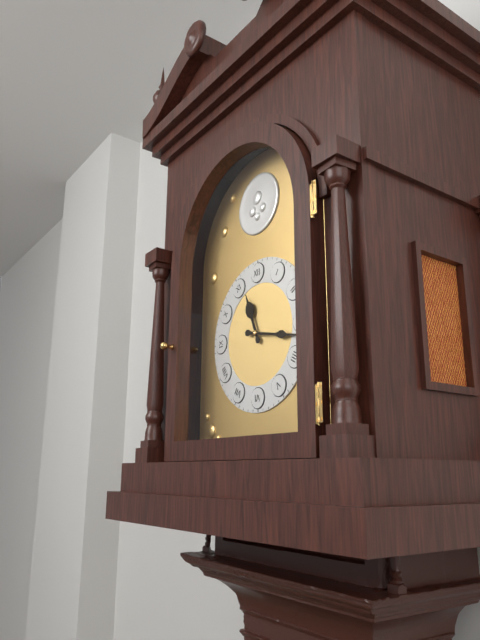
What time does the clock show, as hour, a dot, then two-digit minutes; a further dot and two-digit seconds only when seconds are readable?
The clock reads 11.17
